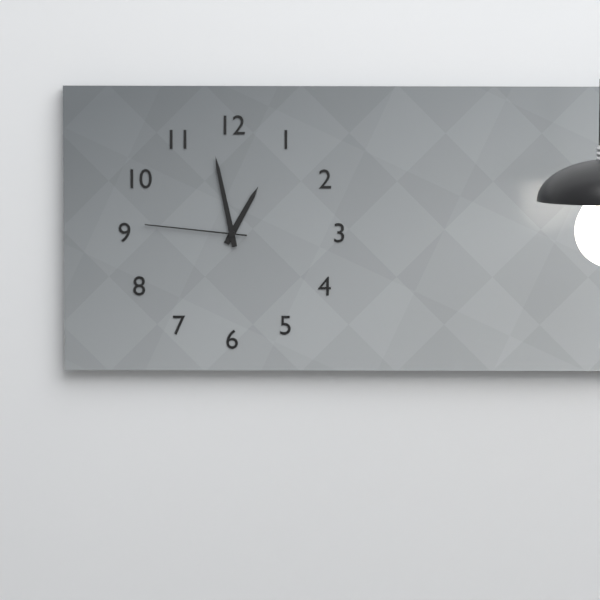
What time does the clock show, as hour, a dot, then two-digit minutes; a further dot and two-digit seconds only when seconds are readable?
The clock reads 12.58.46
